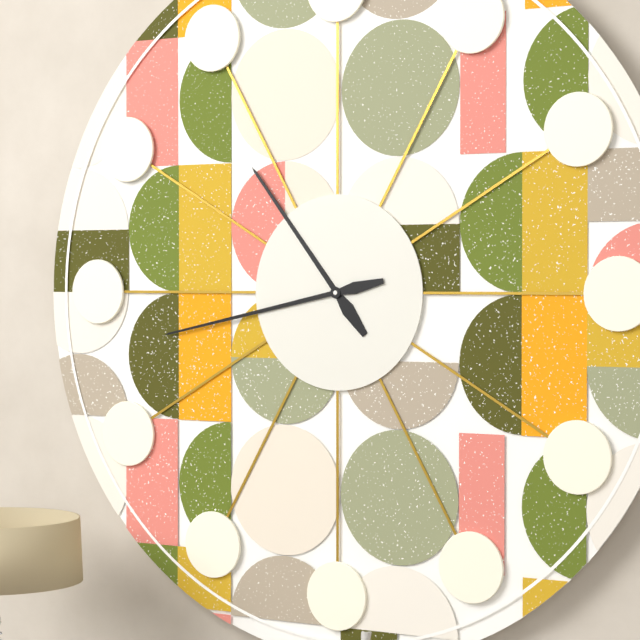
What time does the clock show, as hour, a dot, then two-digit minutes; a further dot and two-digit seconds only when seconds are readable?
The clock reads 10.43
